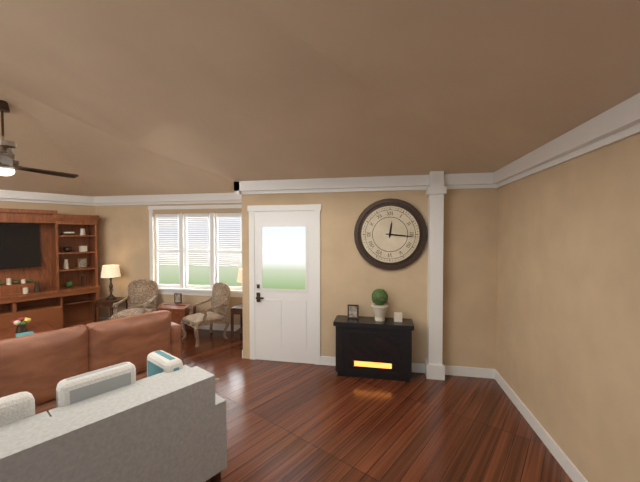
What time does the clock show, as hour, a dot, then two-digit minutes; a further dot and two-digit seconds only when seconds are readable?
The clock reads 12.16
